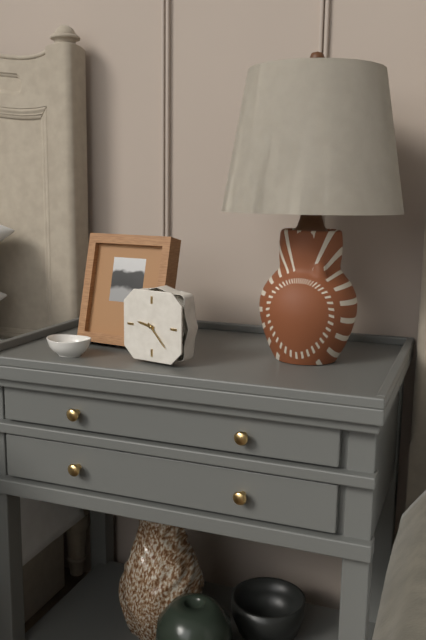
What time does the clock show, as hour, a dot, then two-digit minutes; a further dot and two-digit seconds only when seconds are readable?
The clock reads 9.23
